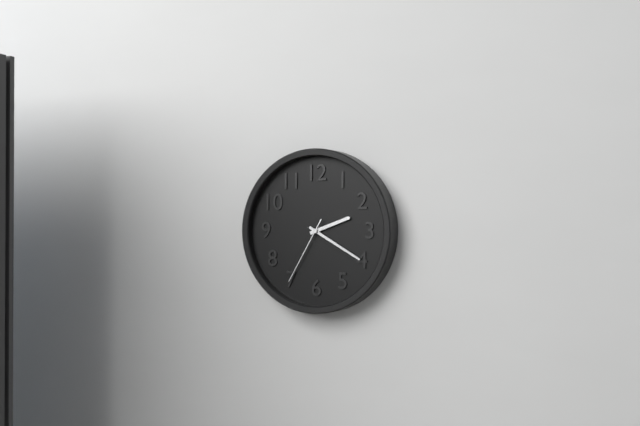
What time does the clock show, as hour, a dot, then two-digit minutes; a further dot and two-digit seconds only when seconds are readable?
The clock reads 2.20.35
